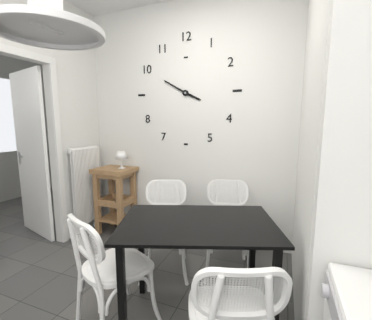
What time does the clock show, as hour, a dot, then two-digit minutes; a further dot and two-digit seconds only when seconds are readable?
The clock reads 3.50
